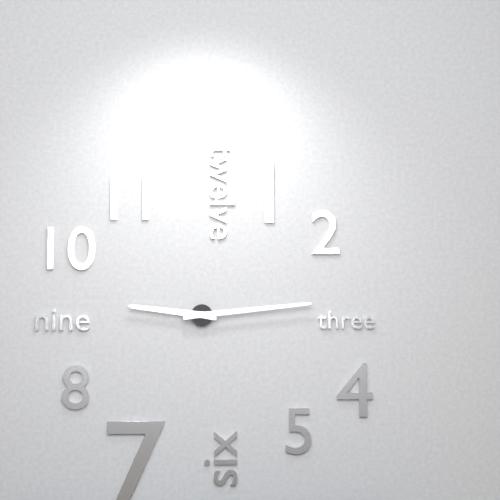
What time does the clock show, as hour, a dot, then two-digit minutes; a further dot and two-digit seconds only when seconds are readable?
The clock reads 9.14
